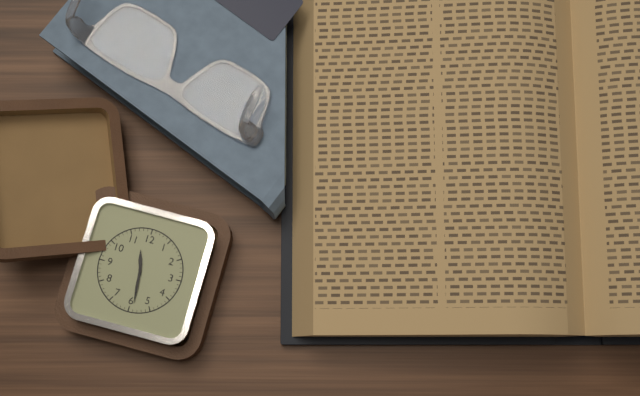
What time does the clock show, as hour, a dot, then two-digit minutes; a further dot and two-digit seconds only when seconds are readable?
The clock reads 11.29
